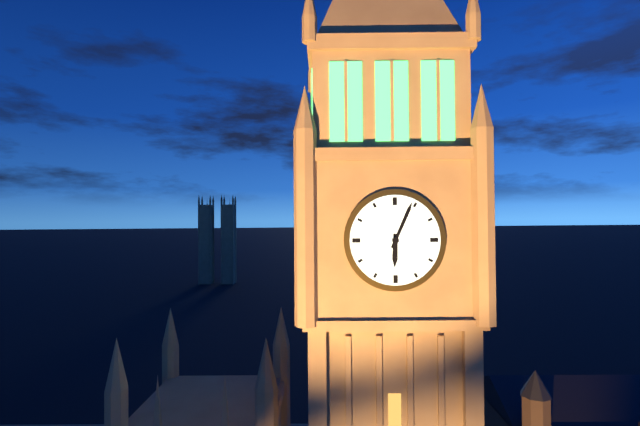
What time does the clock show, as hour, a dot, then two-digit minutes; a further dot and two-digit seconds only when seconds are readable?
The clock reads 6.04
